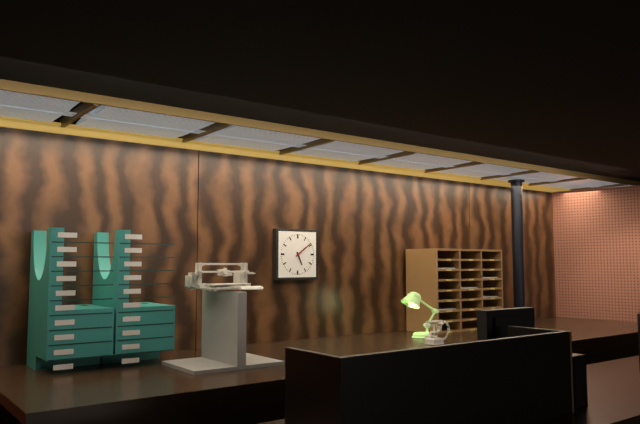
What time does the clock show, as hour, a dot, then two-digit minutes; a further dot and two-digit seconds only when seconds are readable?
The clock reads 5.09
